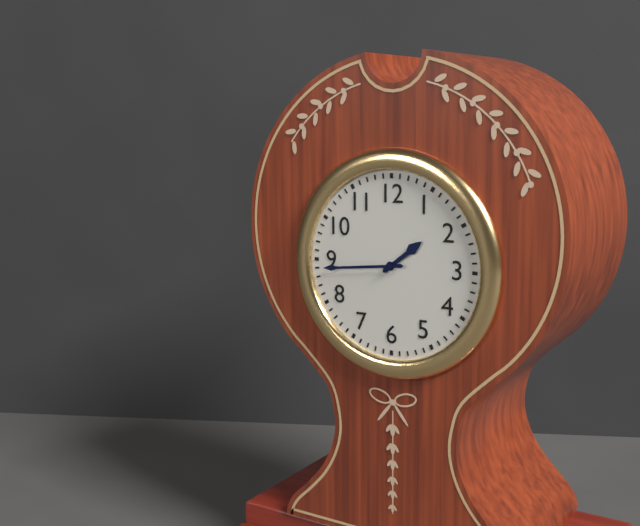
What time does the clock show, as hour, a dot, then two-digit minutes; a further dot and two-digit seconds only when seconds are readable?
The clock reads 1.44
